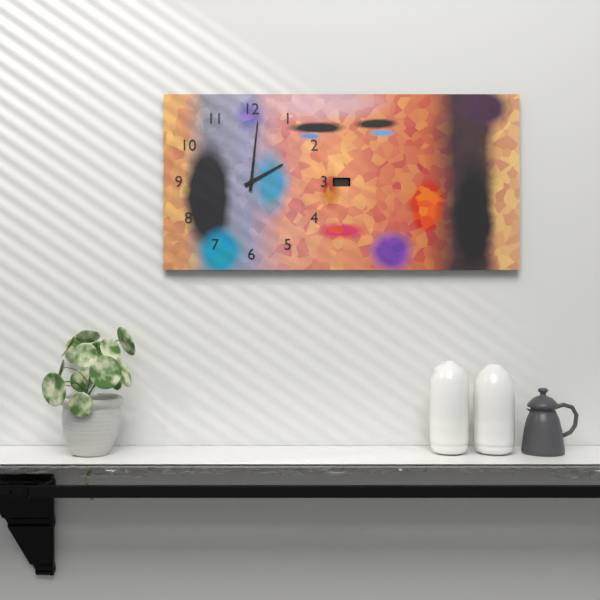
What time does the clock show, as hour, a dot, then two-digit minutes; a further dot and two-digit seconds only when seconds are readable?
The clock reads 2.01
